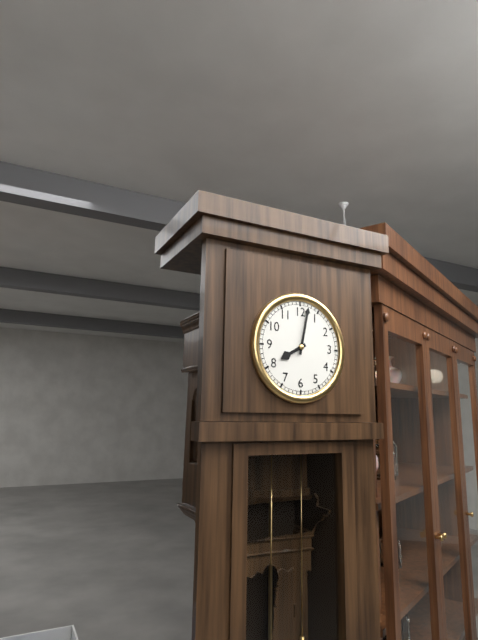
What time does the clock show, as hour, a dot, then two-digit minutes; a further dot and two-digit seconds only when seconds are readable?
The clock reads 8.02
